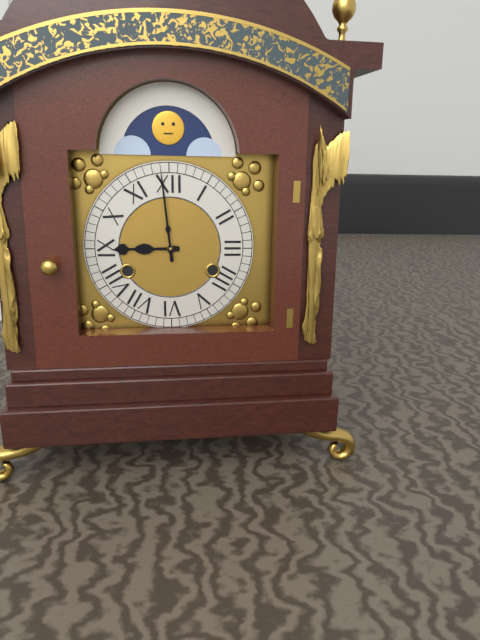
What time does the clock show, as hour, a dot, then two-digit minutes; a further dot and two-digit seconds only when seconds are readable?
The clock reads 8.59
